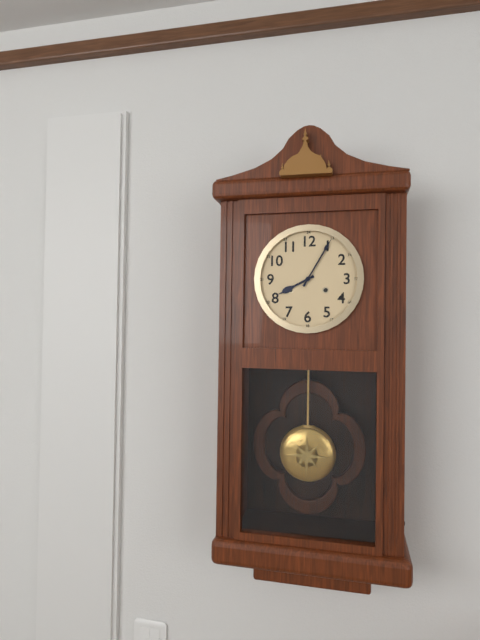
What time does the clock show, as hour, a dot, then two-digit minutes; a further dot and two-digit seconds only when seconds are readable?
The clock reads 8.05
